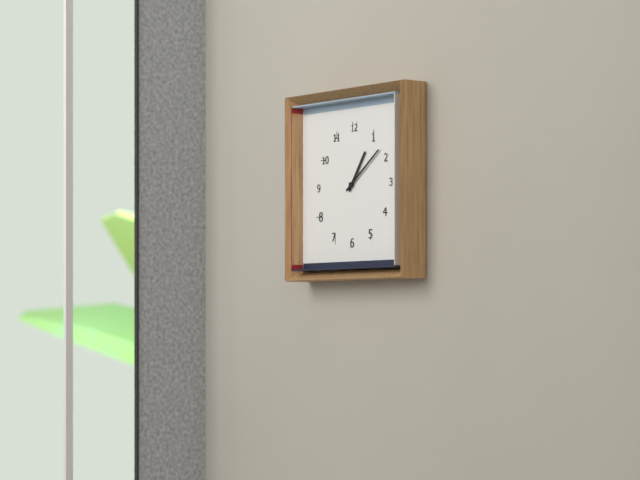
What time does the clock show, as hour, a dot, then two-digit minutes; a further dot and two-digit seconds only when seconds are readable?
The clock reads 1.09
